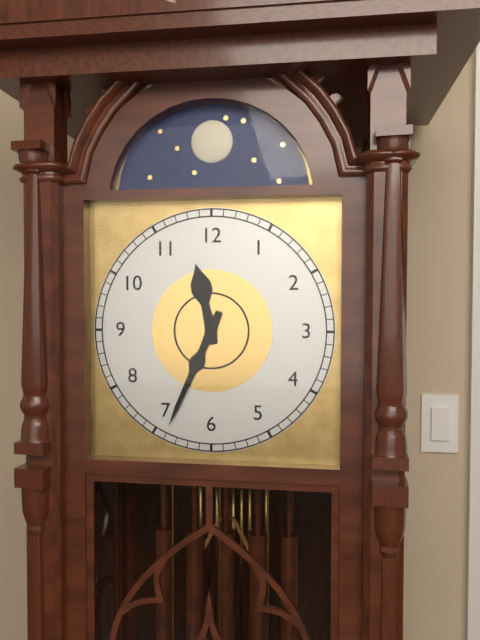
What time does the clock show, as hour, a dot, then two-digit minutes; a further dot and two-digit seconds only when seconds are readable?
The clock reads 11.34
